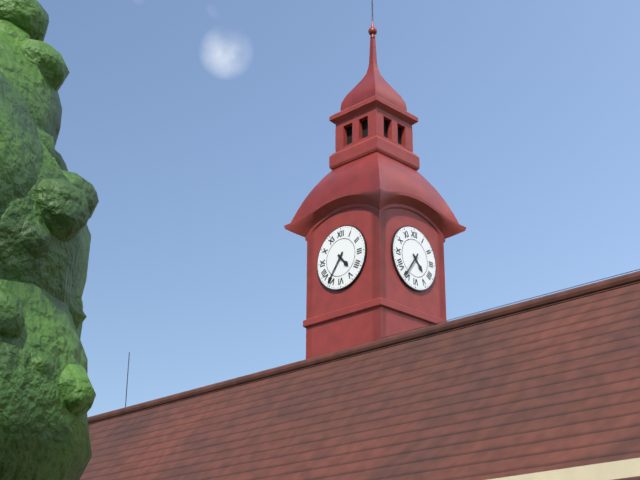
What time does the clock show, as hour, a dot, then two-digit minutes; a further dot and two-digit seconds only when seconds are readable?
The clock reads 4.36
